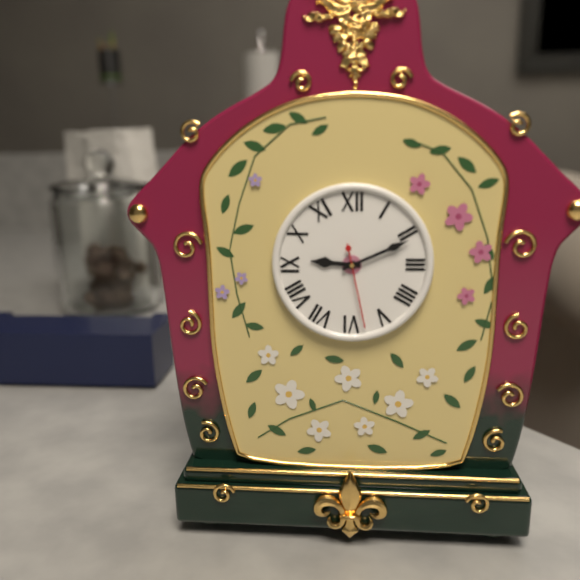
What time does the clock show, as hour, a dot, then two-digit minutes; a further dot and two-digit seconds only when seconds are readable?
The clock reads 9.11.28
